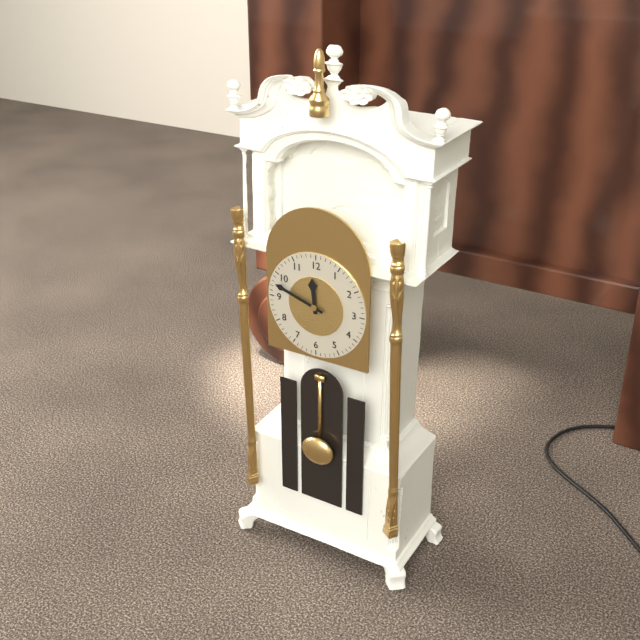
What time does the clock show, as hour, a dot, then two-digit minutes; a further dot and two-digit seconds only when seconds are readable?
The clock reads 11.48
